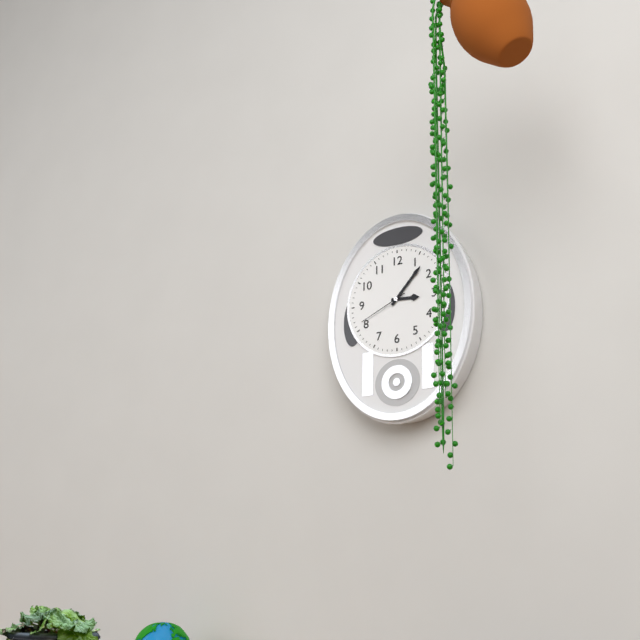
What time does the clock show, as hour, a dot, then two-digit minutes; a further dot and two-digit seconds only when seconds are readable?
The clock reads 3.07.41
